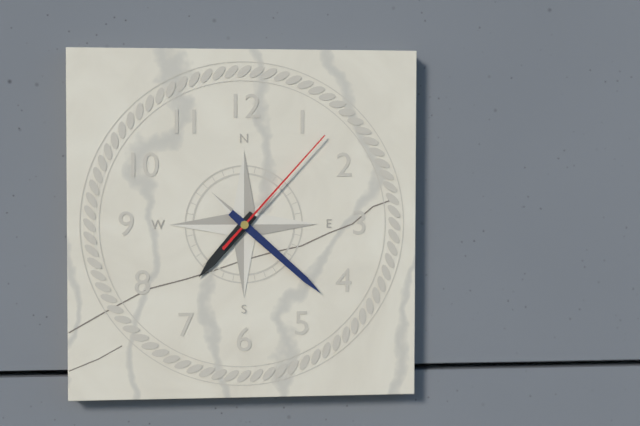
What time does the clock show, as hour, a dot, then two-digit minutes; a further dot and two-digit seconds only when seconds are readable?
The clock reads 7.22.07
